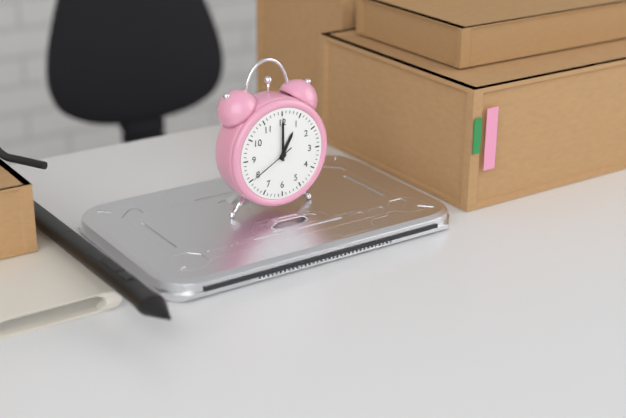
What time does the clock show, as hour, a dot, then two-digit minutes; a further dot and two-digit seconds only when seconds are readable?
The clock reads 1.00
